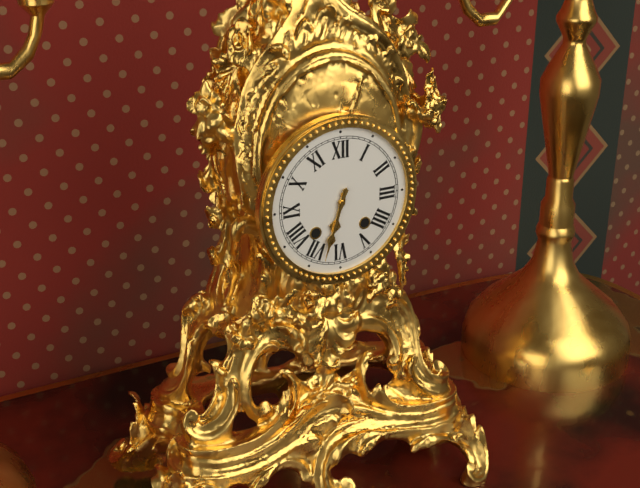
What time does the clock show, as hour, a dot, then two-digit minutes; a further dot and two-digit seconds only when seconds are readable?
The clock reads 6.33
